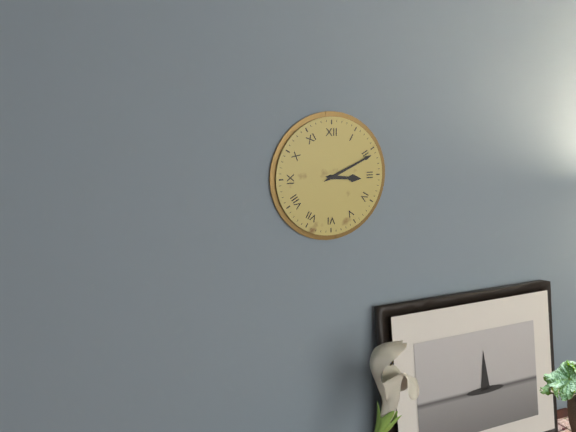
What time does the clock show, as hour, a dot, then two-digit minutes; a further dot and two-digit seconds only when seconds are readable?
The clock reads 3.11
